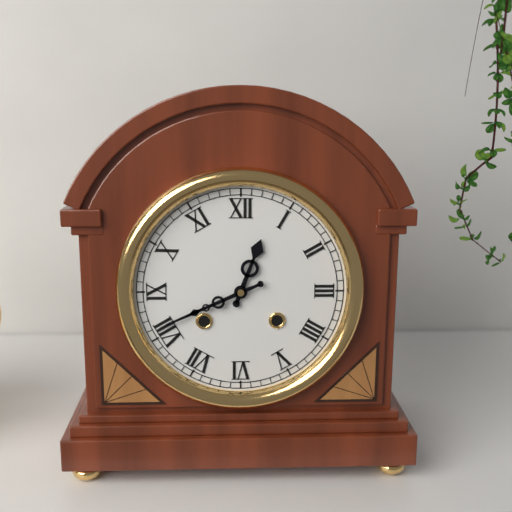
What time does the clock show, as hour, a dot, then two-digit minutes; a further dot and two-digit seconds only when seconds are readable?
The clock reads 12.41
